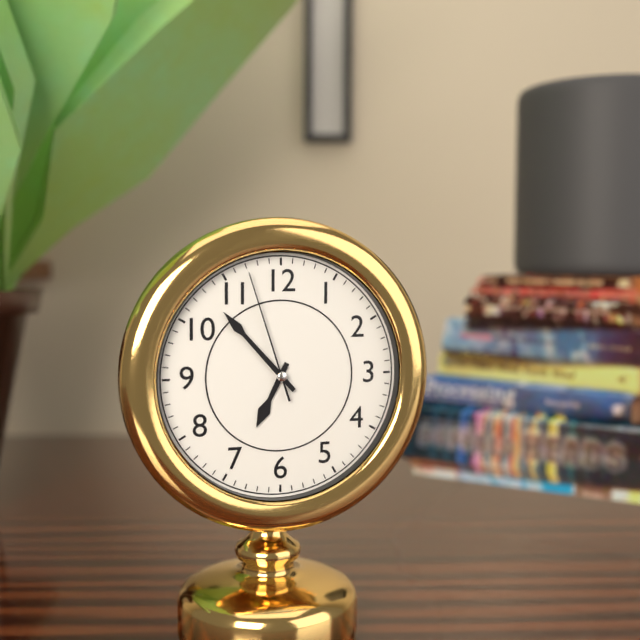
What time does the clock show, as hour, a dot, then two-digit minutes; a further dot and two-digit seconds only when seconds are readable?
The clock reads 6.53.57
